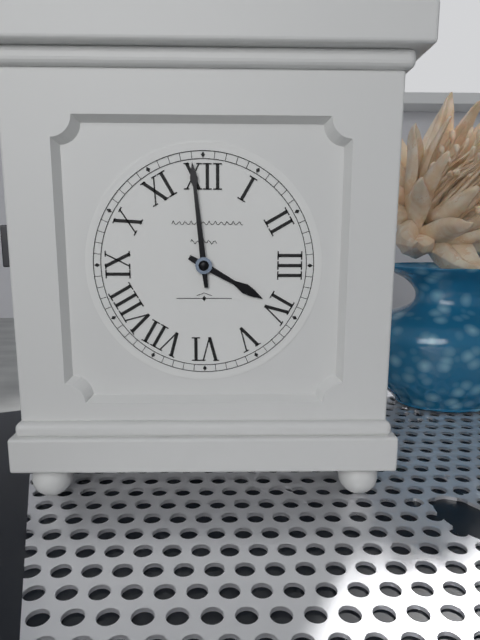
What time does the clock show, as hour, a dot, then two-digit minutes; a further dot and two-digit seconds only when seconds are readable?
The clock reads 3.59
